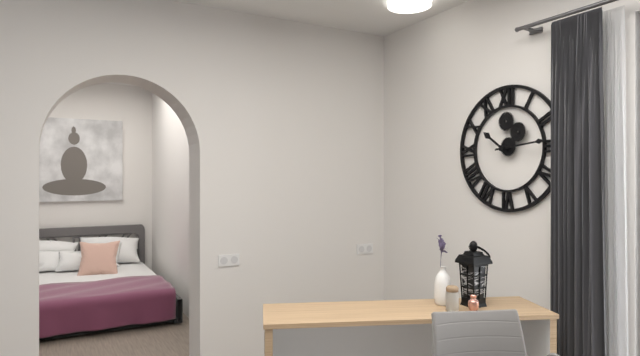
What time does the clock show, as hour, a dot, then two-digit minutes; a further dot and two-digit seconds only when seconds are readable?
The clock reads 10.14
